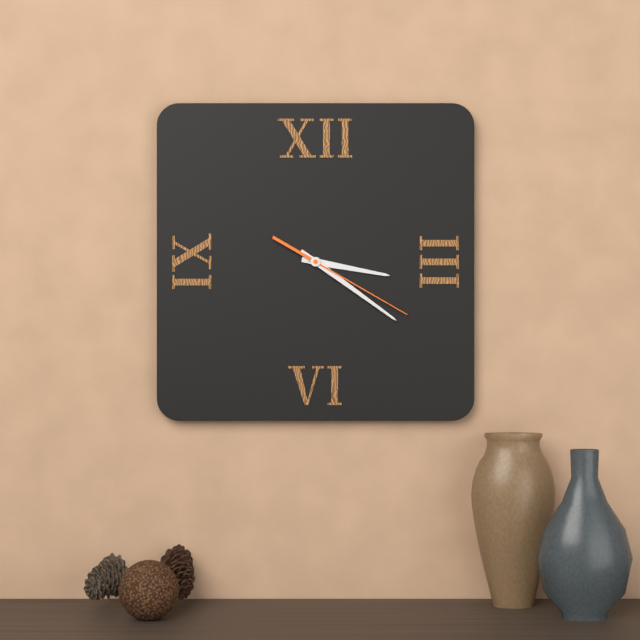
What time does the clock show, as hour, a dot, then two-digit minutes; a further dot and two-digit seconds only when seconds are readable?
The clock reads 3.21.20
